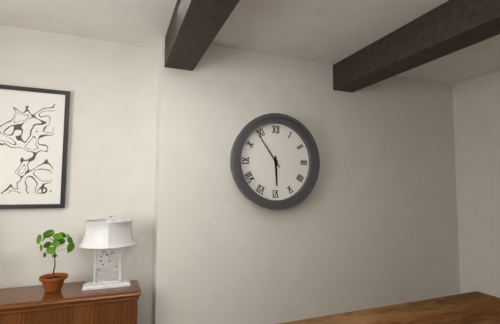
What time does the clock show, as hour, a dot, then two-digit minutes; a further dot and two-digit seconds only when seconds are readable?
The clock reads 5.54
